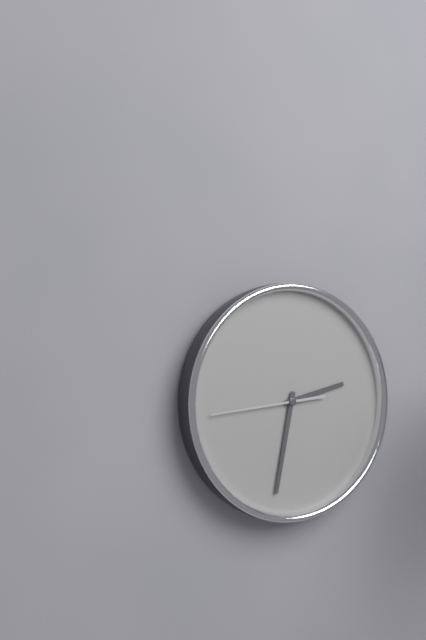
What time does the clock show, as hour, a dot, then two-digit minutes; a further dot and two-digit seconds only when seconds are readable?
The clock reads 2.32.44
